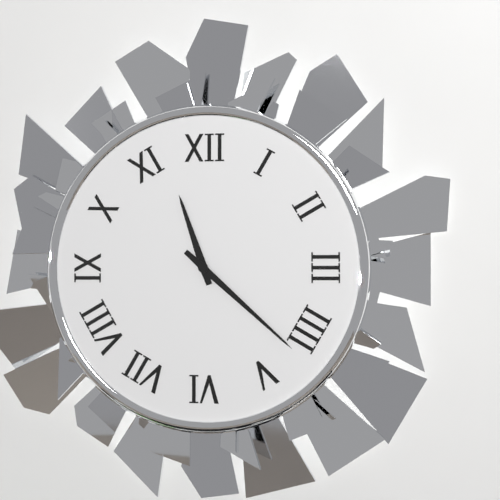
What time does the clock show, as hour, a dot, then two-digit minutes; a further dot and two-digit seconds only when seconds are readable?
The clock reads 11.22
